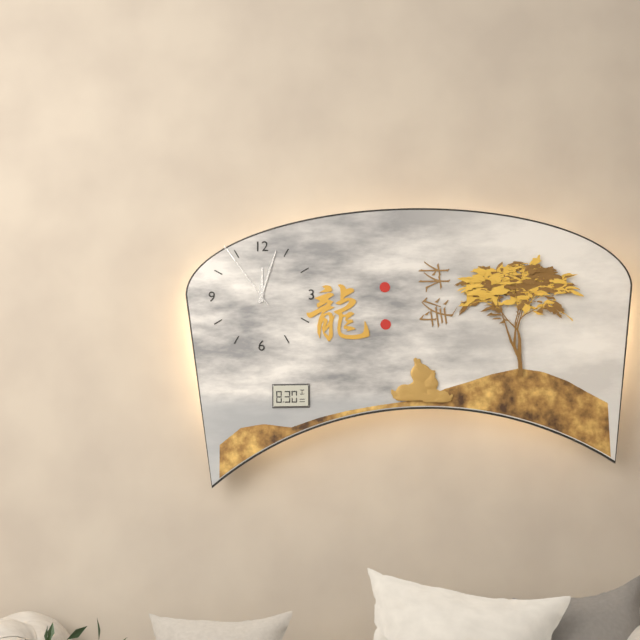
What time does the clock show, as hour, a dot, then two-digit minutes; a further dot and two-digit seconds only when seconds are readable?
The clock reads 12.03.54
